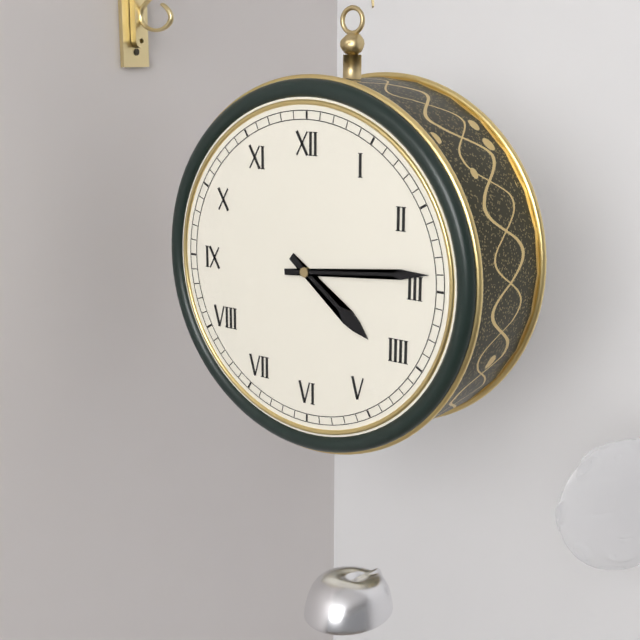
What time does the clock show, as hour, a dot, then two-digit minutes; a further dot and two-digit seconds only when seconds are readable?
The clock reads 4.14
